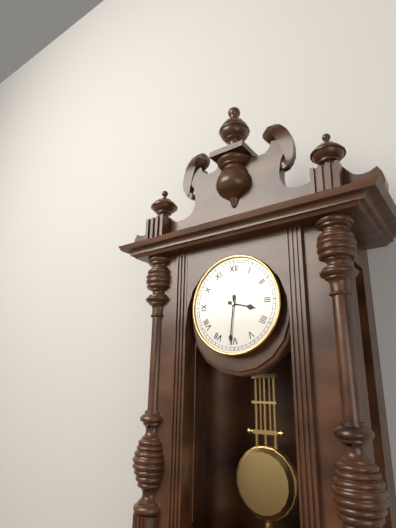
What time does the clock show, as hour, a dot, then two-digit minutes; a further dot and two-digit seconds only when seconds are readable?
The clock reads 3.31
